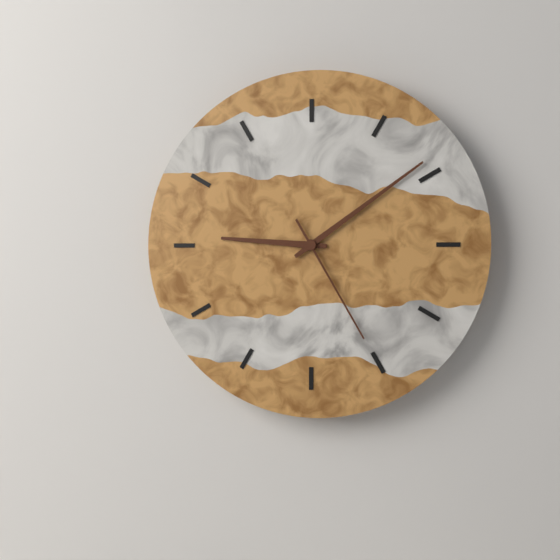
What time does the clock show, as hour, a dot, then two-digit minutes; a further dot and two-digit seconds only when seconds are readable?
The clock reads 9.09.25
